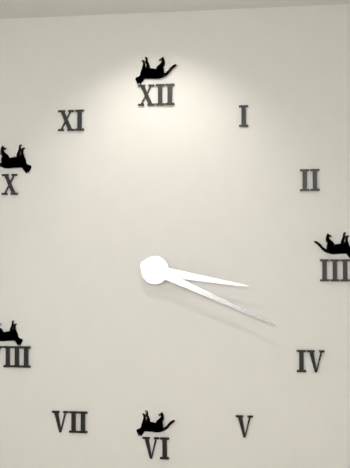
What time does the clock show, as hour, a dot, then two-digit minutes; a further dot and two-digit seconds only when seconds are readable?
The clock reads 3.19
